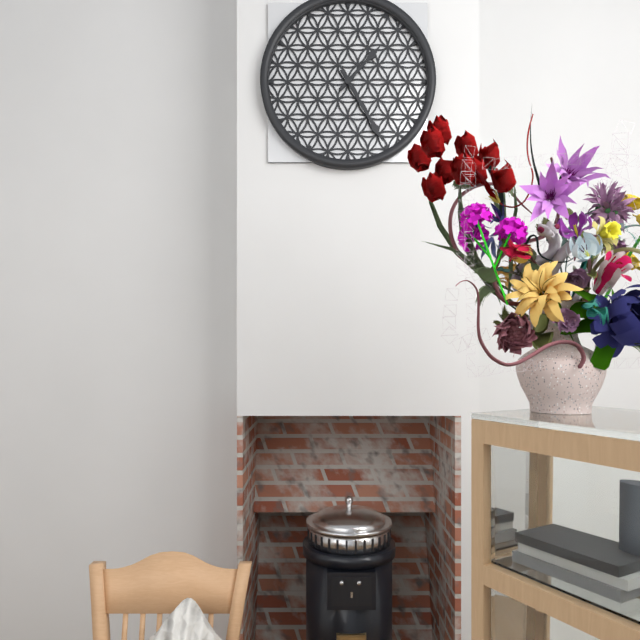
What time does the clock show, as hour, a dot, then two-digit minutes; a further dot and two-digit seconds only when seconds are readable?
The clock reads 1.25
